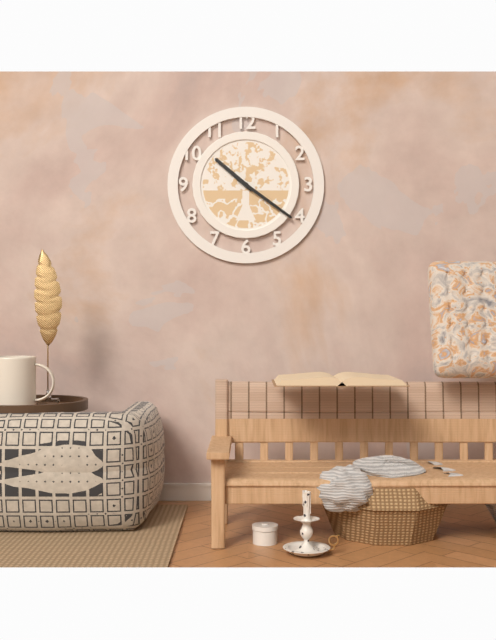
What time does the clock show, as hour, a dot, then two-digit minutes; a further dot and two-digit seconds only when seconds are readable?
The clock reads 10.21
